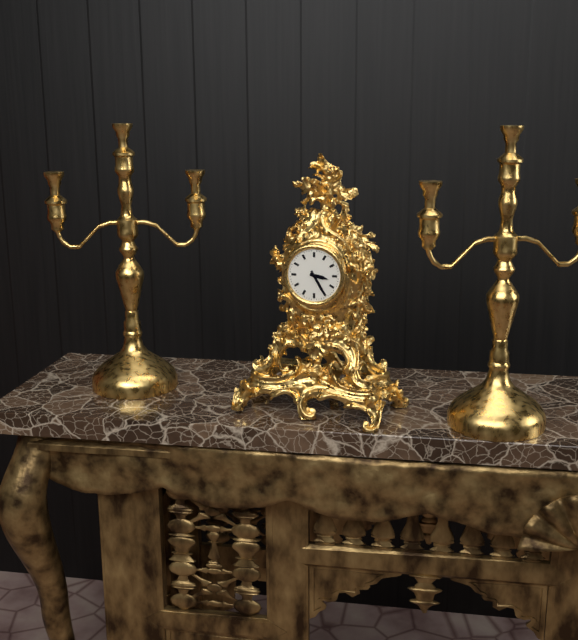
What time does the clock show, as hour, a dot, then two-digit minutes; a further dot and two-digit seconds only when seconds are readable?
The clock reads 3.25
